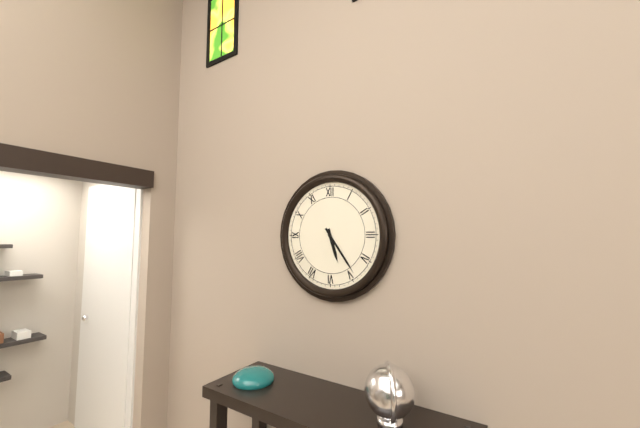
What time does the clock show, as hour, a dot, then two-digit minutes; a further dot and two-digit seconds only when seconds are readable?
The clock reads 5.24
